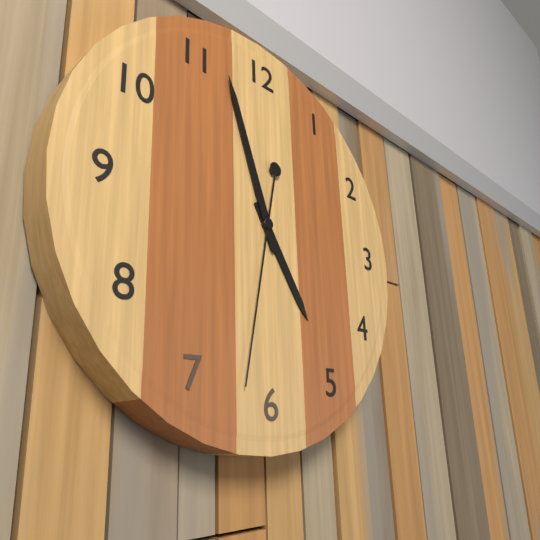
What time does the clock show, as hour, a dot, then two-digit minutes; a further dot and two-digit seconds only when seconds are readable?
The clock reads 4.57.32
